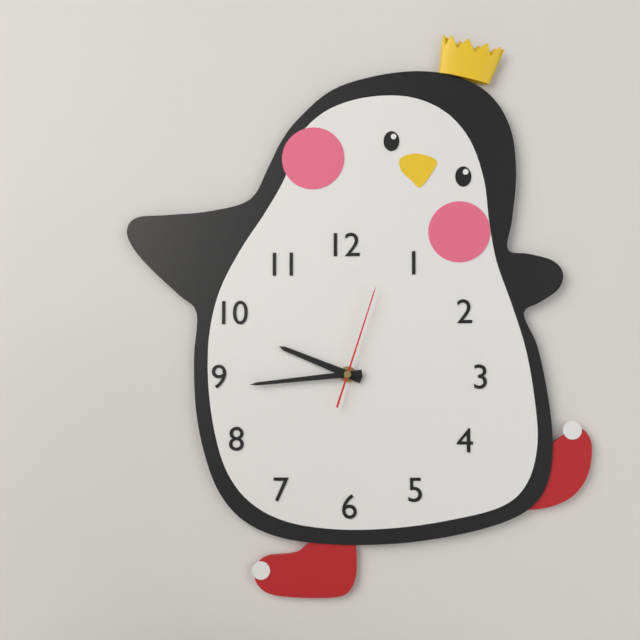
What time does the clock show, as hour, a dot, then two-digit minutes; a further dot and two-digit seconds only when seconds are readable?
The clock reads 9.44.03
